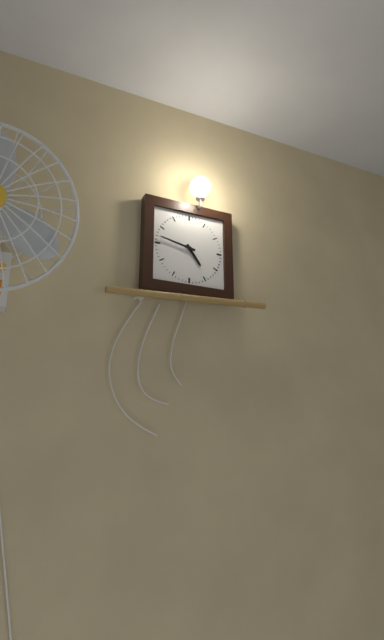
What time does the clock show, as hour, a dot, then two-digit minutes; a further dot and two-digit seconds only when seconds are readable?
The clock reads 4.47
